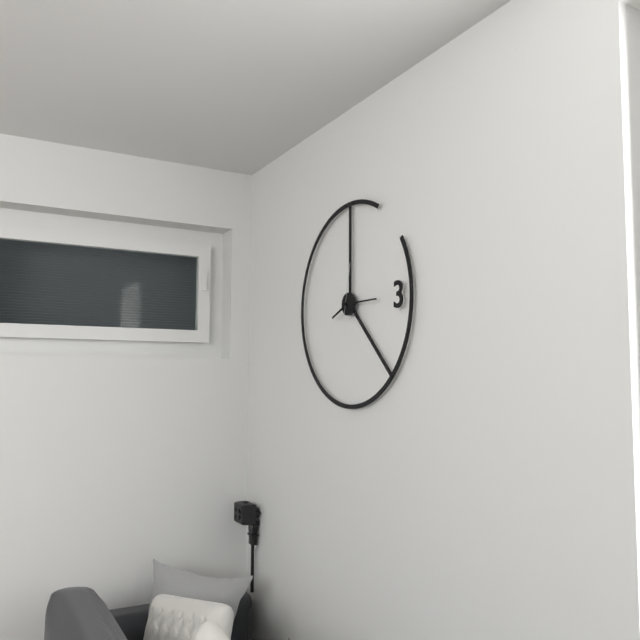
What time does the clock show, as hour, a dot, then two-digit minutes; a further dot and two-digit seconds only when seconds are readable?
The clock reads 8.15.02
